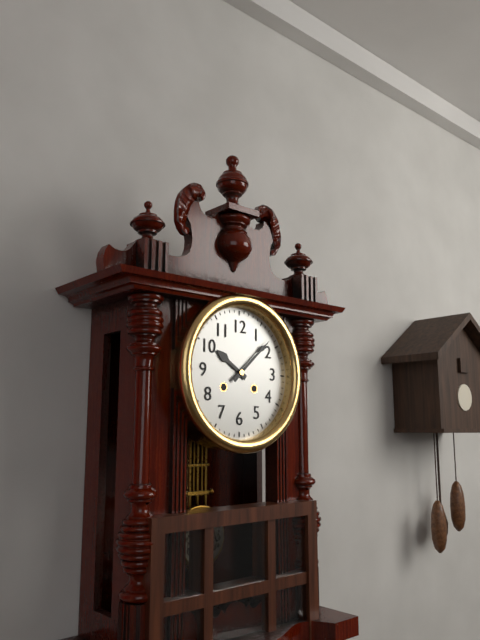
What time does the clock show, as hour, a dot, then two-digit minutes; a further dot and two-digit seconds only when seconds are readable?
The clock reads 10.08
